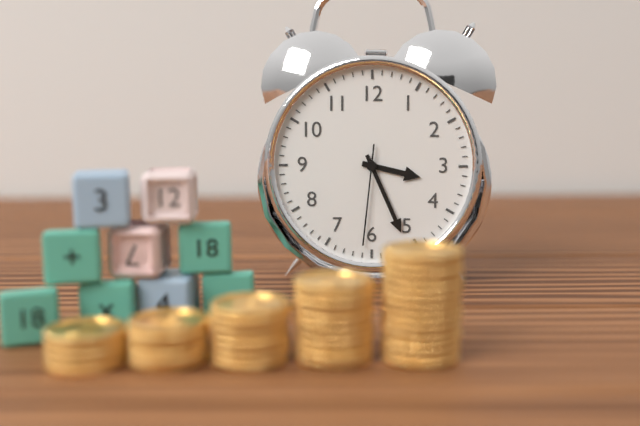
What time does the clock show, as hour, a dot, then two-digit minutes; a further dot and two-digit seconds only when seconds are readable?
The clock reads 3.26.31
